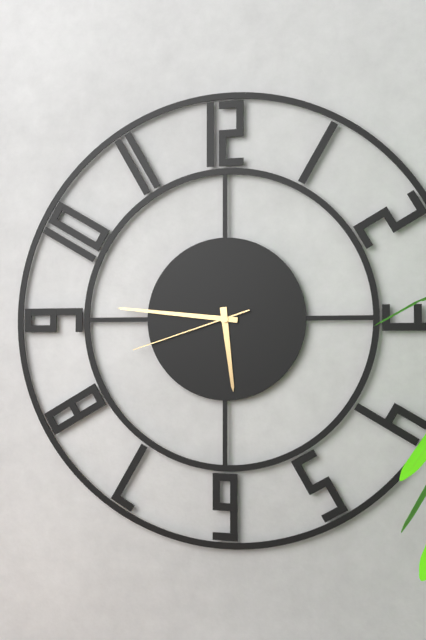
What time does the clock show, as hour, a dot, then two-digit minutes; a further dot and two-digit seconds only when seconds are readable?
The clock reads 5.46.42
